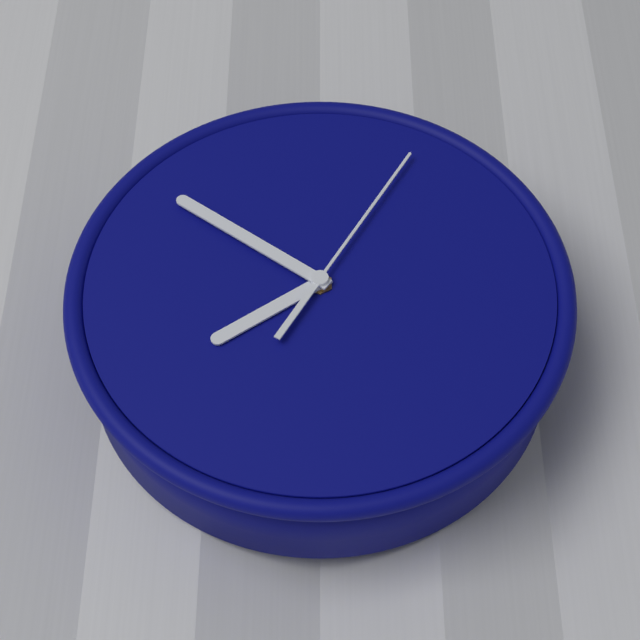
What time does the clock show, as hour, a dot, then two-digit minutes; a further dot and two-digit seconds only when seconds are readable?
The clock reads 7.51.05
